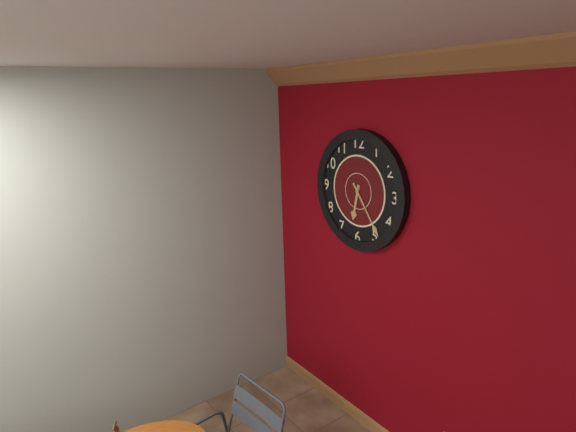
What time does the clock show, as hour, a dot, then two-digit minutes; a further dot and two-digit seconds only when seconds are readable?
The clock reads 6.24
